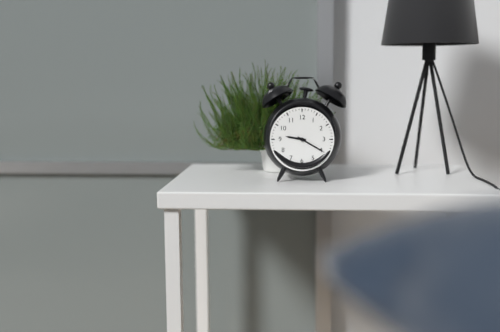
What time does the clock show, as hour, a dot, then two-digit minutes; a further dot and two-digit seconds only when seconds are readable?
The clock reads 9.20
